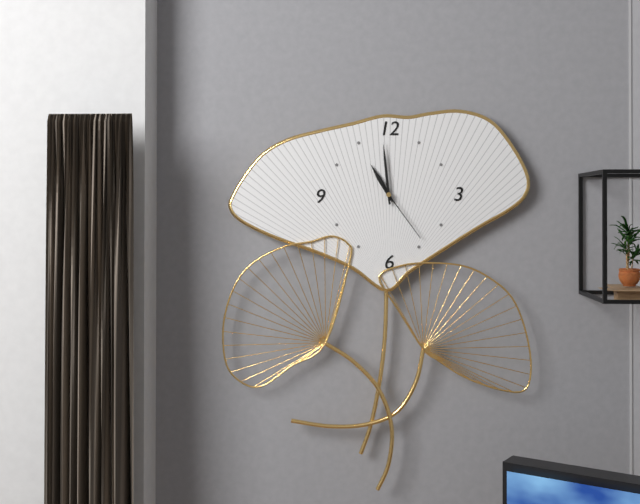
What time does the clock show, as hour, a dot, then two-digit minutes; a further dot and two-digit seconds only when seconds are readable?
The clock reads 10.59.24
